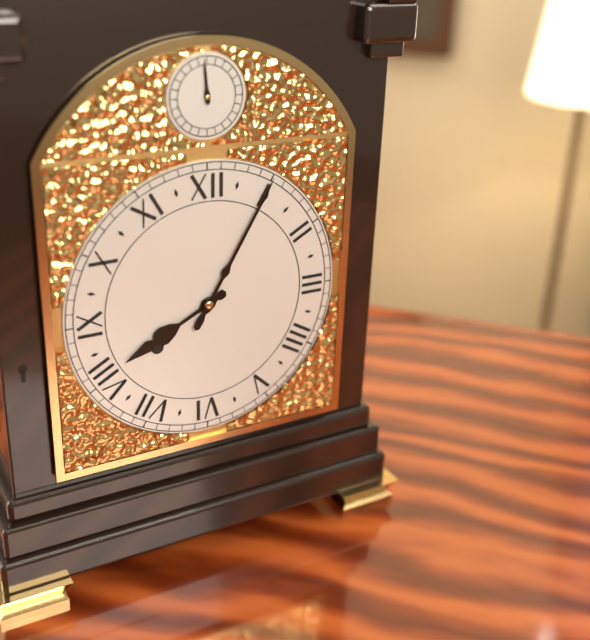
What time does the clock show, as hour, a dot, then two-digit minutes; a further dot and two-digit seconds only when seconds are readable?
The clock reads 8.05
